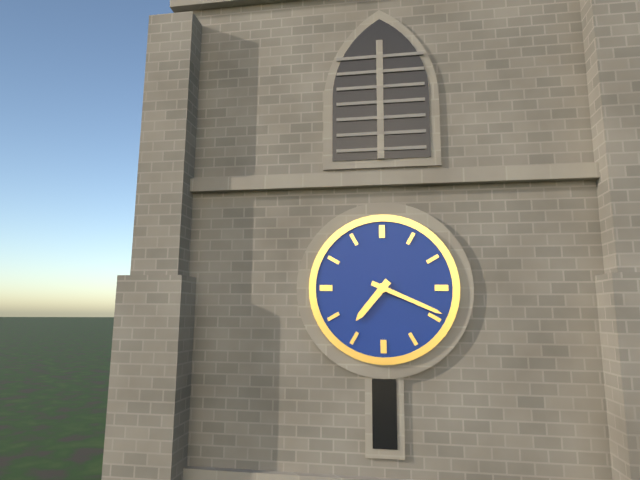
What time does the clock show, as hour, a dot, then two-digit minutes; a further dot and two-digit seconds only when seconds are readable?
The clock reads 7.19
